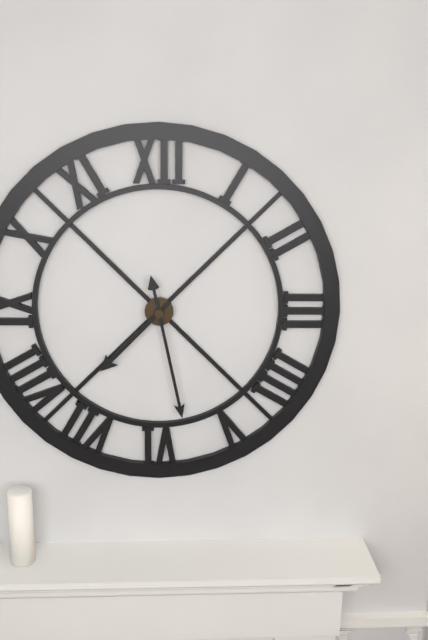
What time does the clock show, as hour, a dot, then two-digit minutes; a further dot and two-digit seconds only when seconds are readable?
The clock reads 7.28
